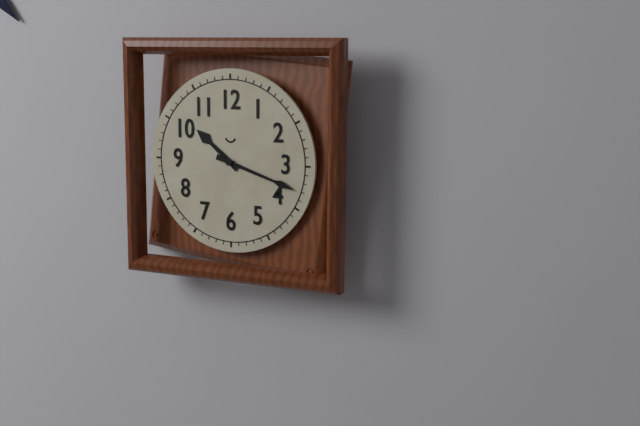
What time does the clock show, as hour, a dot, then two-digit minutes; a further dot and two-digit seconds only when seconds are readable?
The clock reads 10.18
